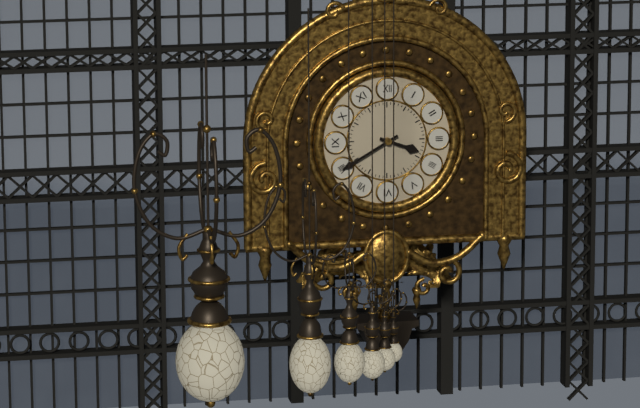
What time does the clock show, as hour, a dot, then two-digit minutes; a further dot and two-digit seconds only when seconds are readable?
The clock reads 3.40
